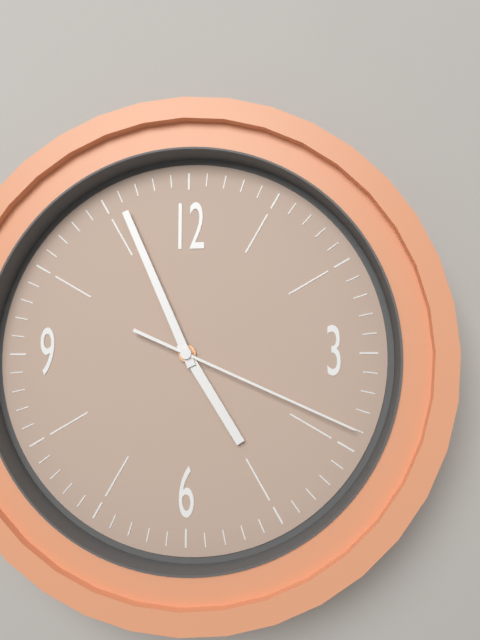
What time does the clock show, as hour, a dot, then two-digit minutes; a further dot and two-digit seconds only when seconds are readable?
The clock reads 4.56.19
